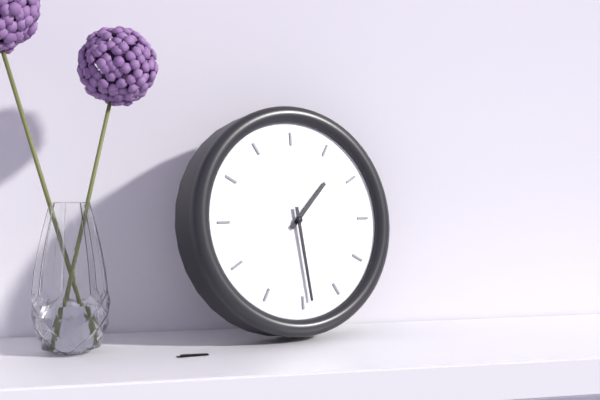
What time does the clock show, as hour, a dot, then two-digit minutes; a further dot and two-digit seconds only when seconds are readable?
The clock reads 1.29
